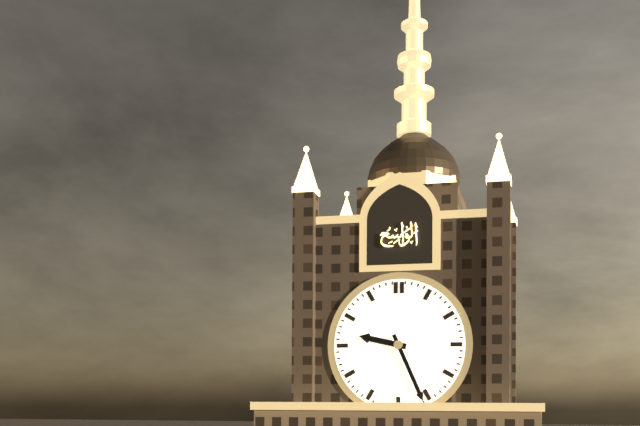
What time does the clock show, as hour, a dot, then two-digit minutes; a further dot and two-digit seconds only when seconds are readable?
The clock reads 9.26
